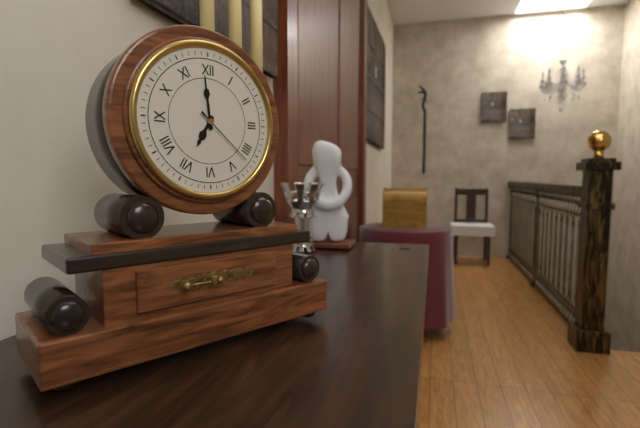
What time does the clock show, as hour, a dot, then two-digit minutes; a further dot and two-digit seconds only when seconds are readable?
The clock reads 6.59.22
